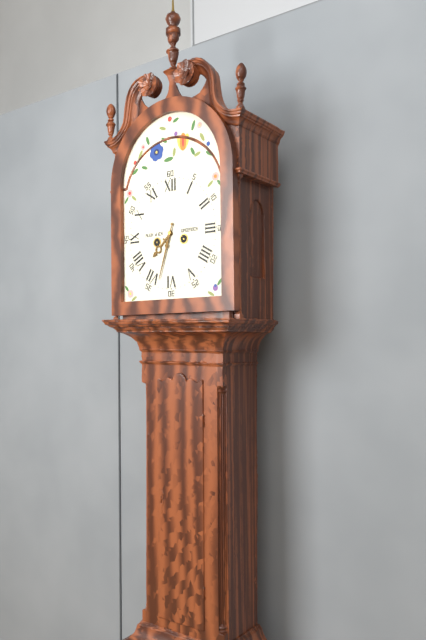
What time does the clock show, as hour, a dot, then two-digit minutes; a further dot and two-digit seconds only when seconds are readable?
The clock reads 7.33
